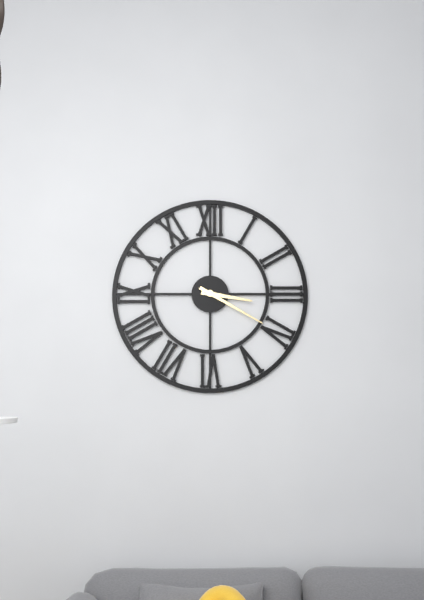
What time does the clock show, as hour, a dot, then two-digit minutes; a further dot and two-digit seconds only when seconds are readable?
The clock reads 3.20
